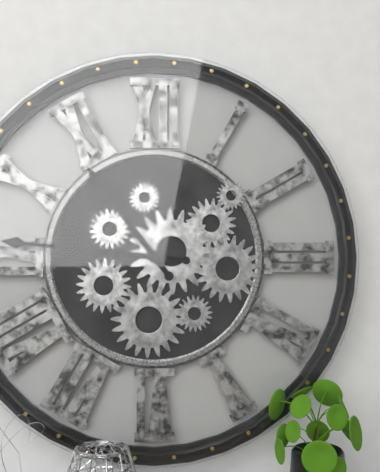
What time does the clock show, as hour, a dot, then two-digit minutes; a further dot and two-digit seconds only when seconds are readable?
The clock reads 10.46
